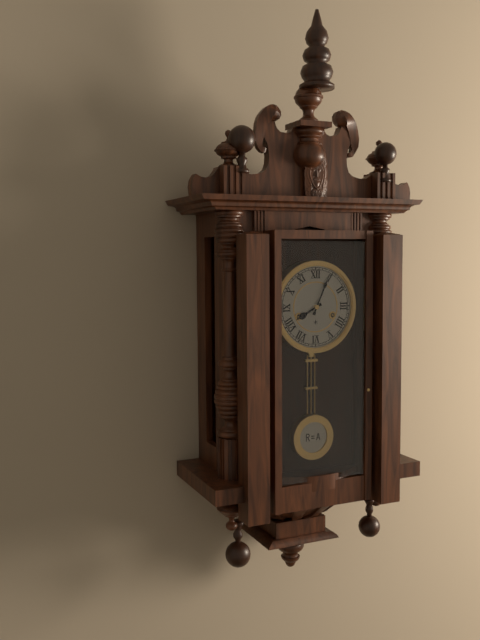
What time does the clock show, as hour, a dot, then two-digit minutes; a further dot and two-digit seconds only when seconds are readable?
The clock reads 8.04
